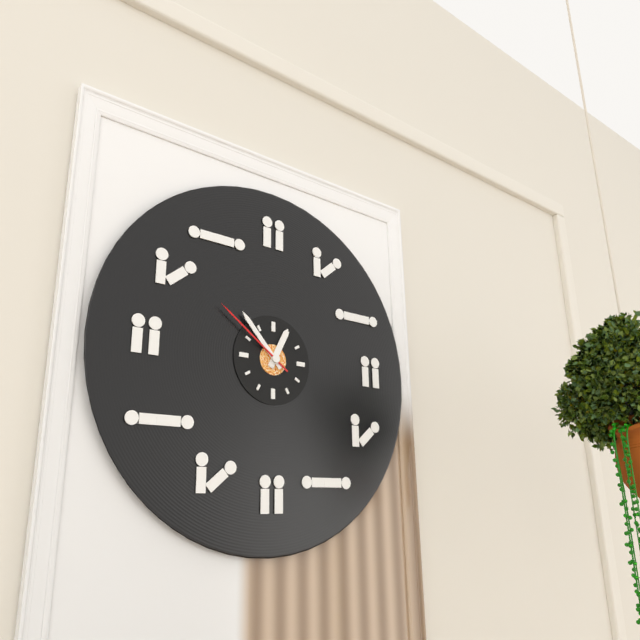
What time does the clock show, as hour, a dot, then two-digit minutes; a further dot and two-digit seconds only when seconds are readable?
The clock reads 12.53.51
